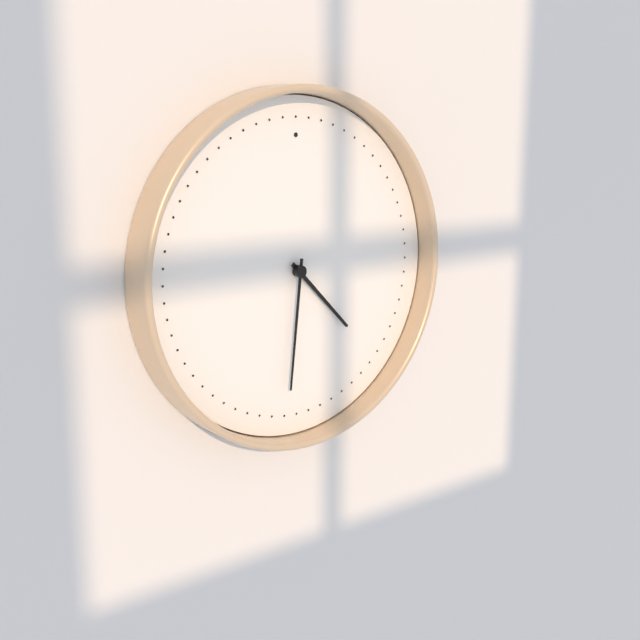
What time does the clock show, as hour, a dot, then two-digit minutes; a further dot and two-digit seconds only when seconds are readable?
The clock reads 4.31
